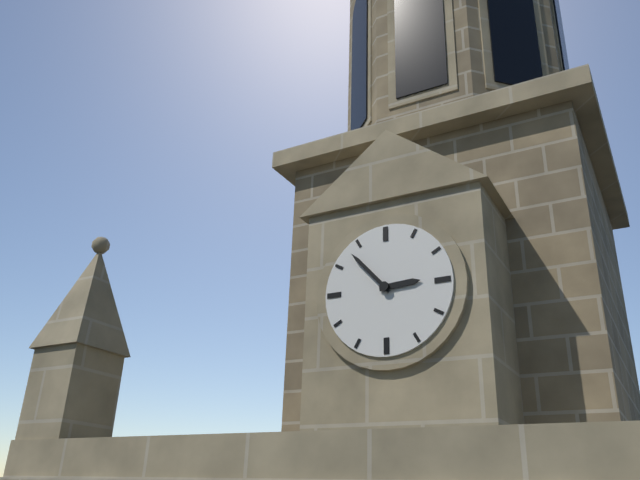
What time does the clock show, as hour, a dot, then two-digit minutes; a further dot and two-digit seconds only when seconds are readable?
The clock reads 2.53
